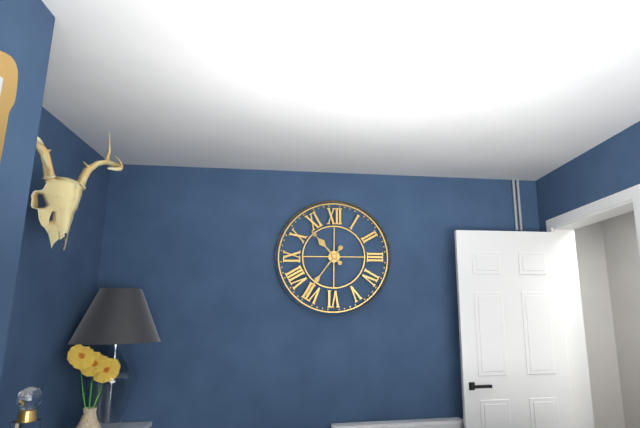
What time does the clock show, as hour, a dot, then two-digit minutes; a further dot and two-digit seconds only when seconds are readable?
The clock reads 10.36
